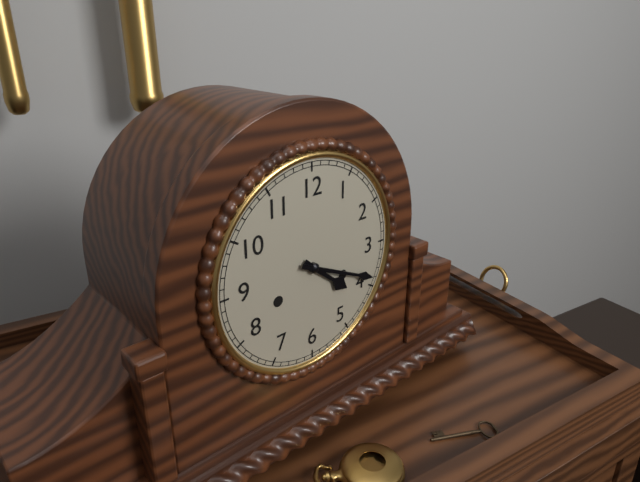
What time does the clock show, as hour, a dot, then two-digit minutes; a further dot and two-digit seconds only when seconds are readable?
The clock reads 4.19
